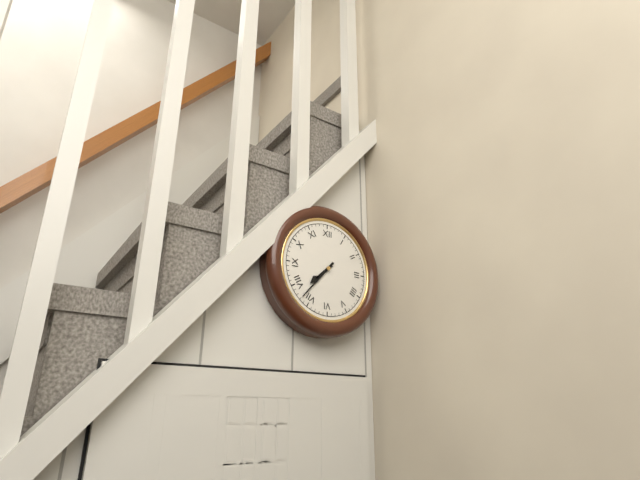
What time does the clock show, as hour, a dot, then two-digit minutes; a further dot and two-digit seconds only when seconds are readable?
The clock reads 7.37
